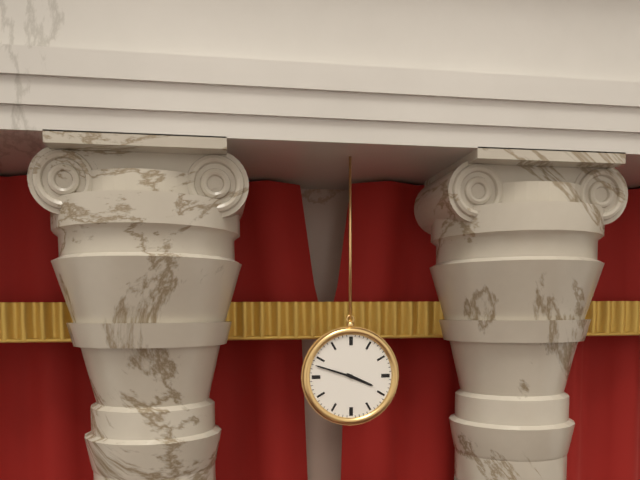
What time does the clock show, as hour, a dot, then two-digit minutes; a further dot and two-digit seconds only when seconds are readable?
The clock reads 3.48
